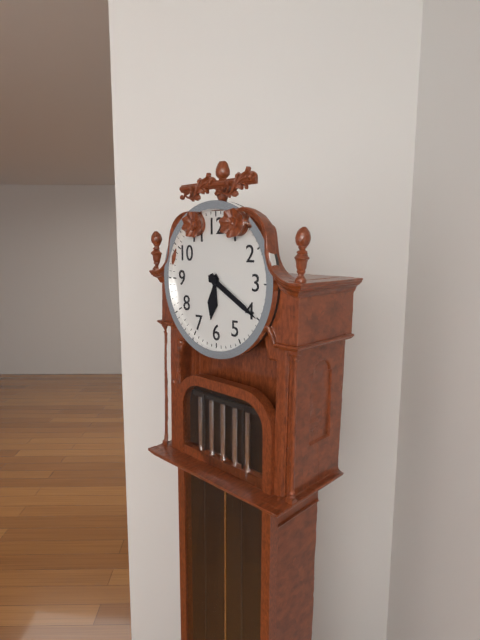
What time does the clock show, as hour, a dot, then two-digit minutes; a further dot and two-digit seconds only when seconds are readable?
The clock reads 6.20
